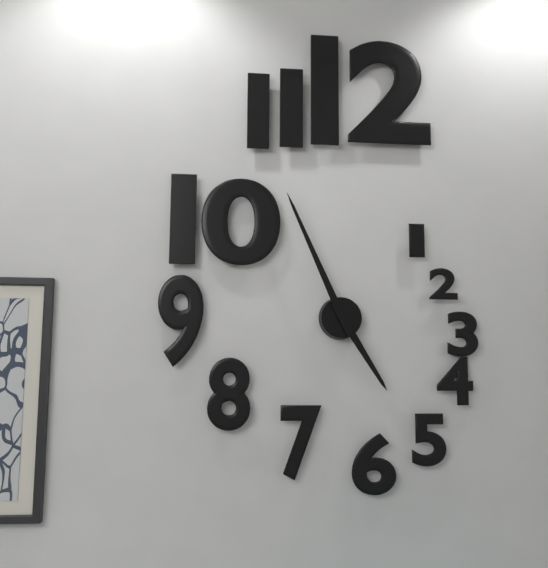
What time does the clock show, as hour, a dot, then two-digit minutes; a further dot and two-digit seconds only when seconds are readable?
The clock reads 4.56
